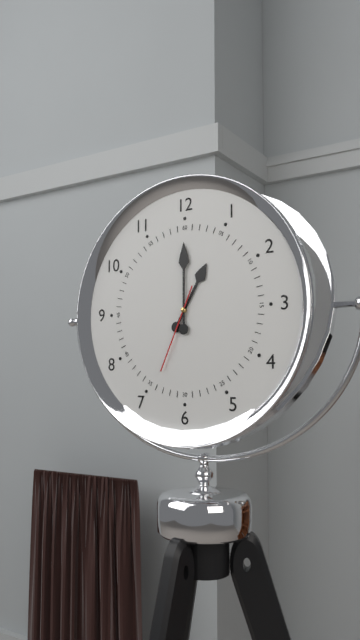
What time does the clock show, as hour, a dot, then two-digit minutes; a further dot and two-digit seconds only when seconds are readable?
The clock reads 1.00.34
